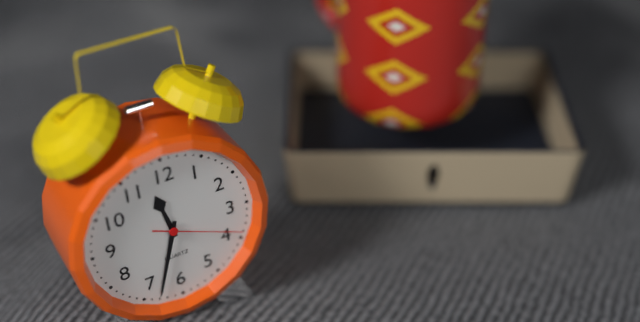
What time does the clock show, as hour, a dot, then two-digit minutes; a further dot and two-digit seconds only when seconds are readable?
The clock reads 11.33.19
